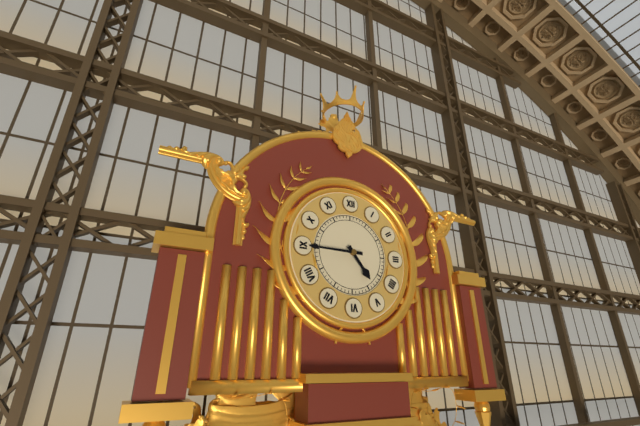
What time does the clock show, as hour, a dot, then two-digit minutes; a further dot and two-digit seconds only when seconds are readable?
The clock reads 4.45
